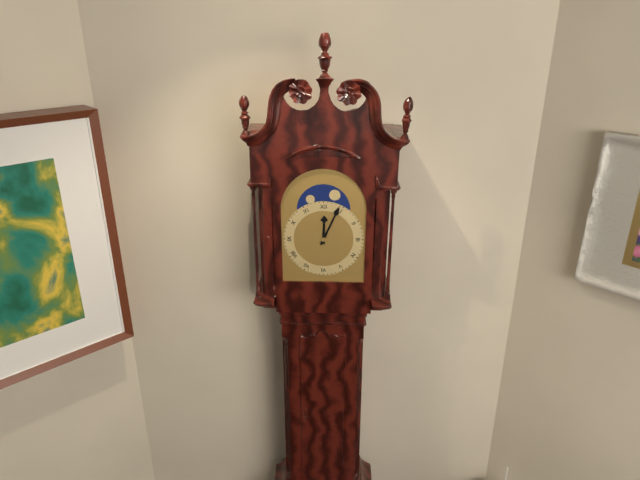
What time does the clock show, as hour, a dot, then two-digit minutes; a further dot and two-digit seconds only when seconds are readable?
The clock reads 12.04
